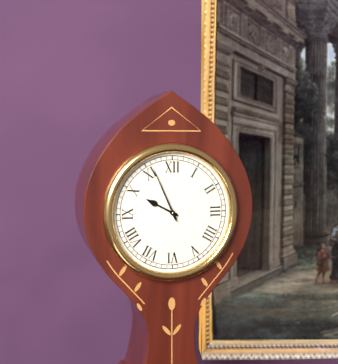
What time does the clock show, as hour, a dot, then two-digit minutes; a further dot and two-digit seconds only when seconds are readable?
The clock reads 9.56
